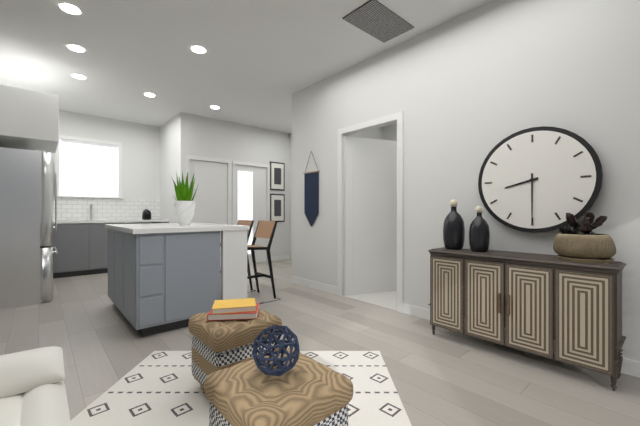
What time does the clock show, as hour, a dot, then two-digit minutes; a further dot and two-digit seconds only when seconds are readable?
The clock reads 8.30
